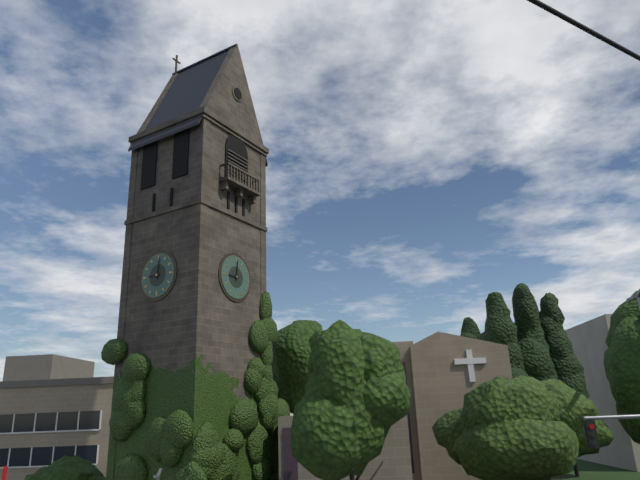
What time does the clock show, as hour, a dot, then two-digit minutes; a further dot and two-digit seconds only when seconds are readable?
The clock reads 9.01
